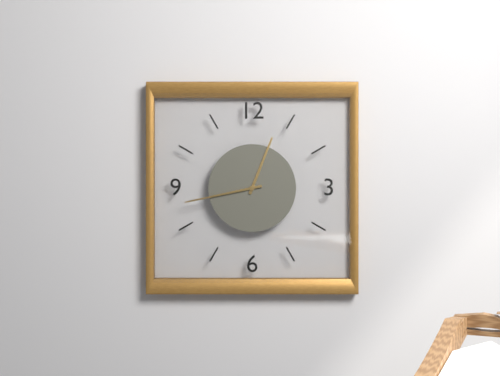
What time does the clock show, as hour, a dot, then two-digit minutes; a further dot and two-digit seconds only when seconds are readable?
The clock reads 12.43
